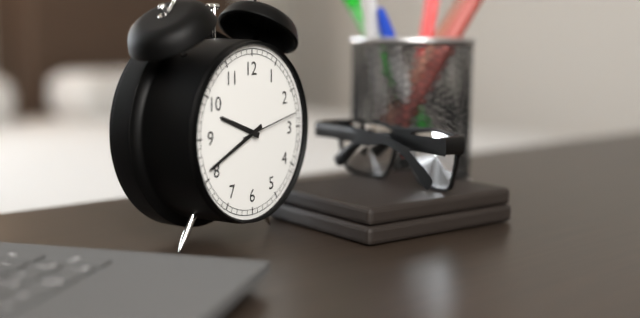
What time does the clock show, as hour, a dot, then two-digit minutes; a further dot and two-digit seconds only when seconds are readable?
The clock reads 9.41.13
